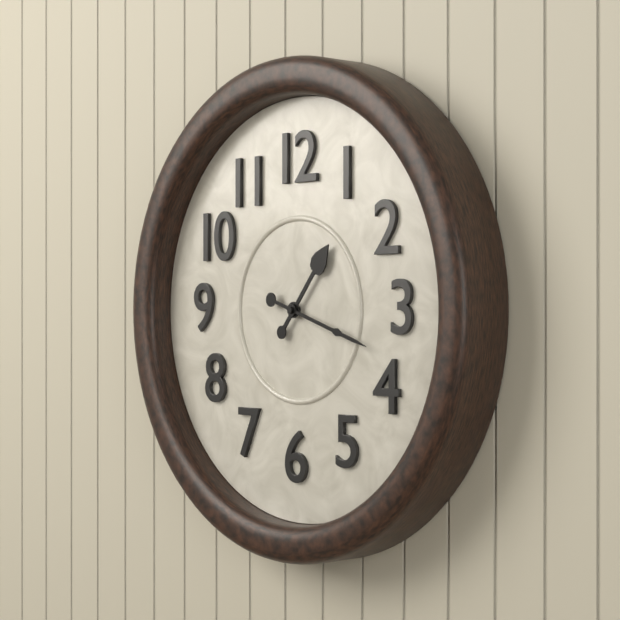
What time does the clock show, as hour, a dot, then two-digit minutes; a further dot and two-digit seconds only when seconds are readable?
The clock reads 1.18
